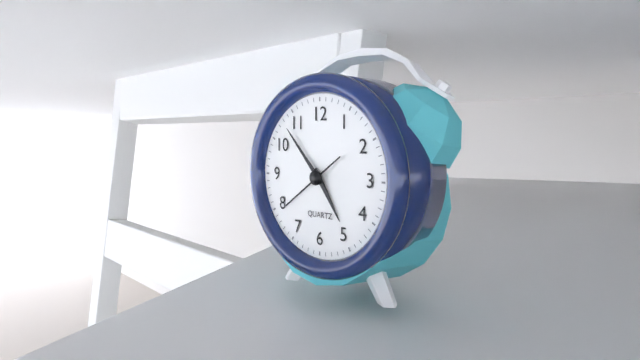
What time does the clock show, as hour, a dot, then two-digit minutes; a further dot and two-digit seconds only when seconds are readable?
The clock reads 4.53.39
